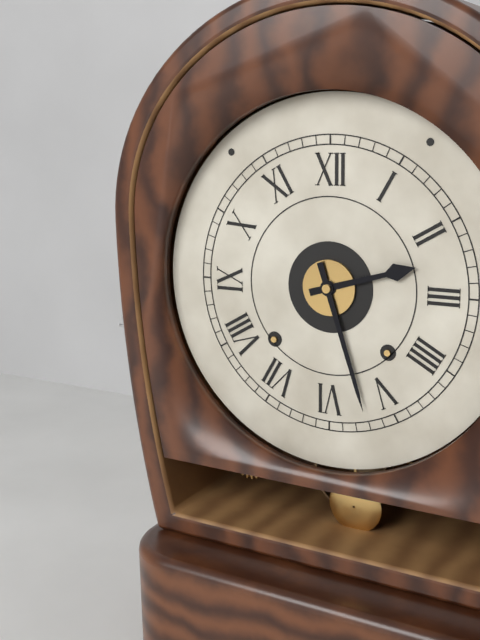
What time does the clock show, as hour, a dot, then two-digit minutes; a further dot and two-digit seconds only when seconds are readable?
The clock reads 2.27
